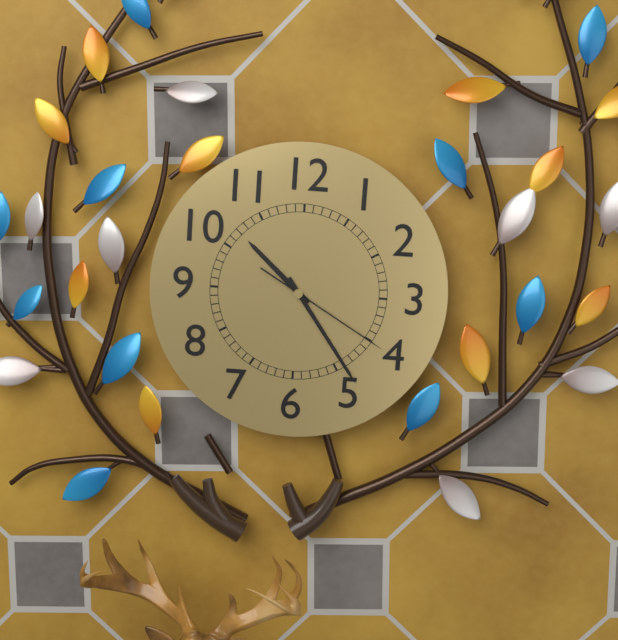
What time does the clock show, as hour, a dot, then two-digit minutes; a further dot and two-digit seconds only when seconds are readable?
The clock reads 10.24.20
